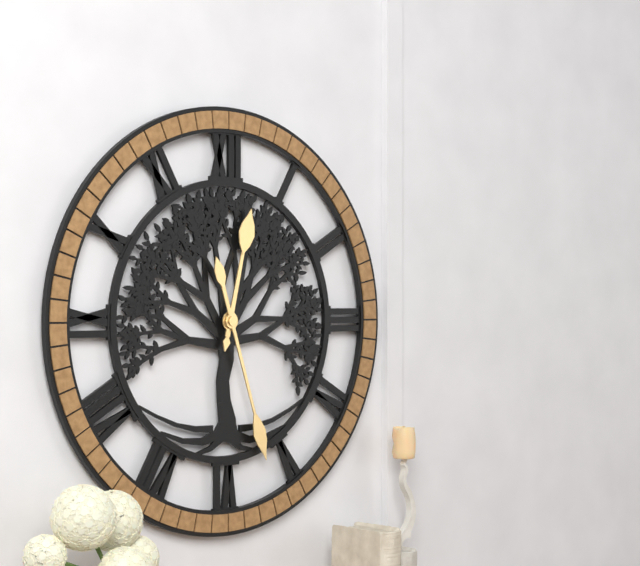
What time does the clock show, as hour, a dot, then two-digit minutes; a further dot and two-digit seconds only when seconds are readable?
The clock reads 12.27
